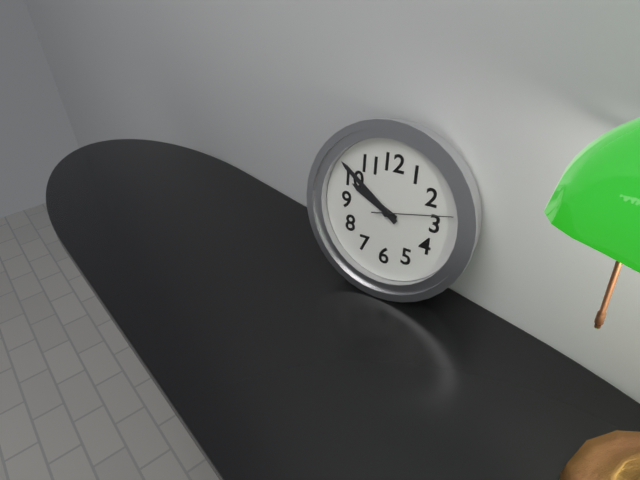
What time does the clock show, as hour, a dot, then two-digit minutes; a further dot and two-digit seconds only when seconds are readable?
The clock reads 9.51.13
